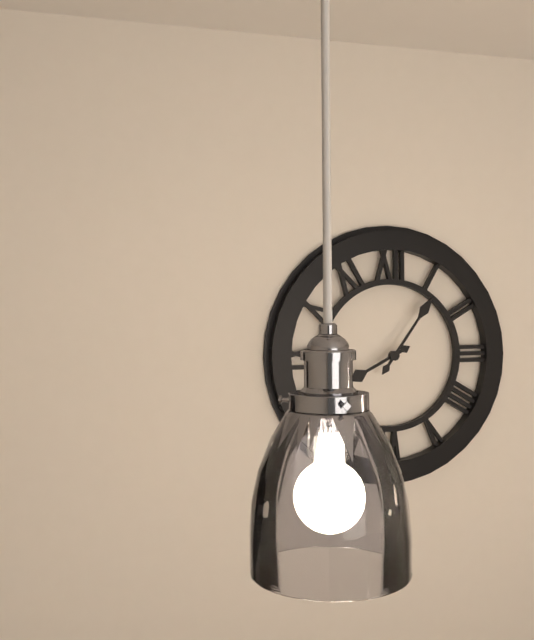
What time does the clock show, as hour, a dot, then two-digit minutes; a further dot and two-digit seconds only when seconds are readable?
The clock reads 8.06
